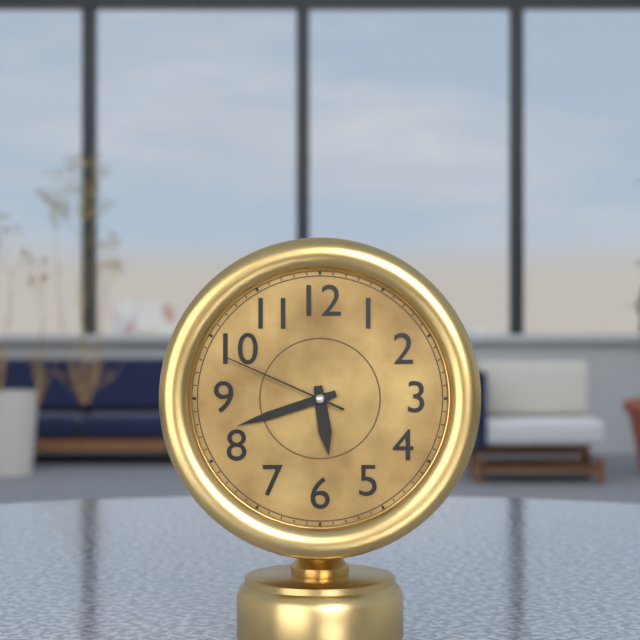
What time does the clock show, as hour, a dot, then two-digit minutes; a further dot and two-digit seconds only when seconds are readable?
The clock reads 5.42.49
